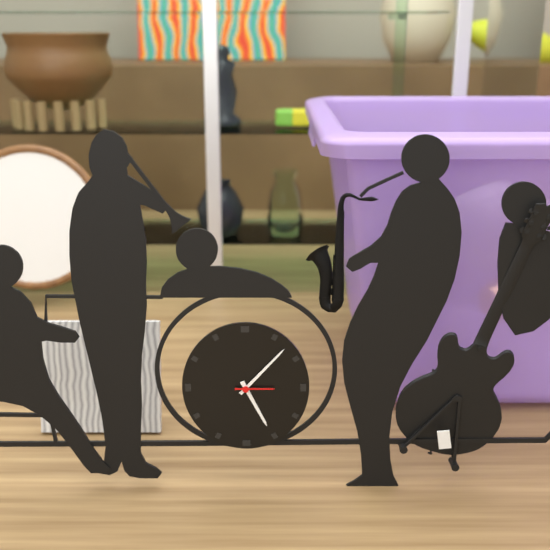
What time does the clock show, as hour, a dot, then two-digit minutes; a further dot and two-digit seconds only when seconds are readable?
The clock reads 5.07
